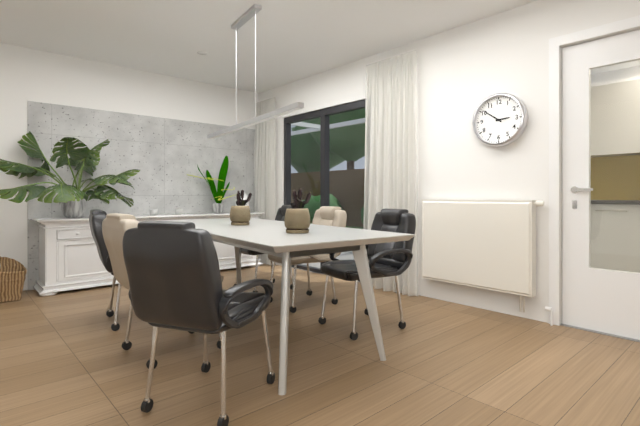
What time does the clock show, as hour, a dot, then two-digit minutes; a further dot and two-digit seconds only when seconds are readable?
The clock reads 2.51
